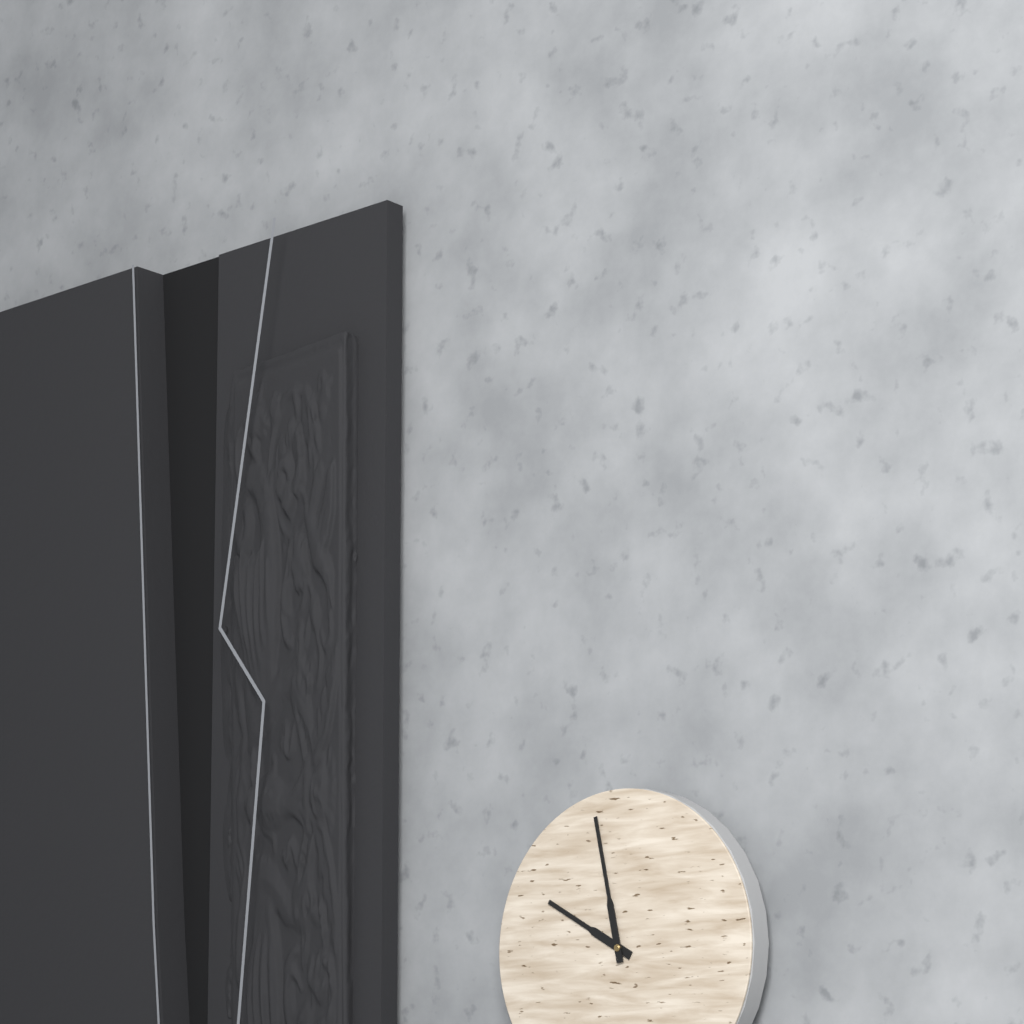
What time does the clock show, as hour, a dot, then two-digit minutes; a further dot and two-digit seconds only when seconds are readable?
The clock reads 9.58
